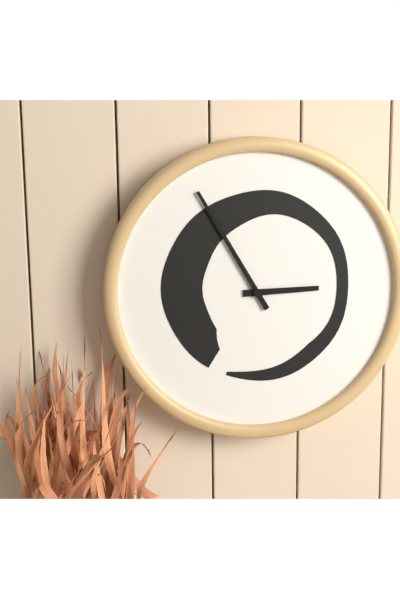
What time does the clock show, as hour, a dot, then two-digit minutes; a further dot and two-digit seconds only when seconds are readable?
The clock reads 2.55
